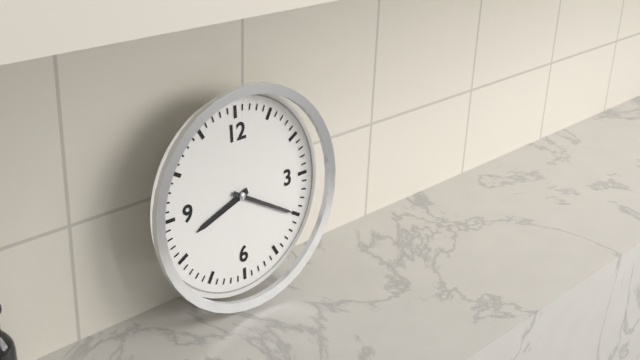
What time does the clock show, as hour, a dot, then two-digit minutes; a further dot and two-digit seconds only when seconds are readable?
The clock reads 8.20
